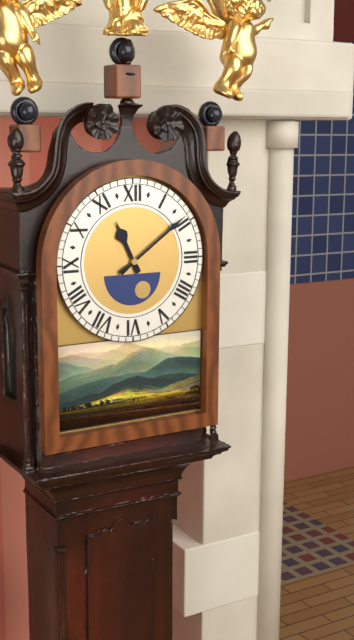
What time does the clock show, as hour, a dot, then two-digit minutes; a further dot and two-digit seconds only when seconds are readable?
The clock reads 11.09
